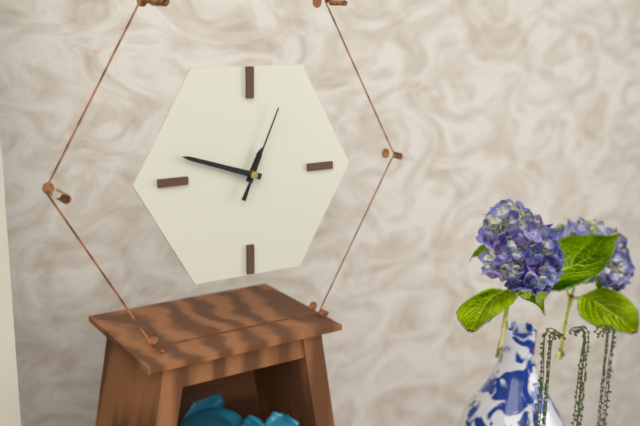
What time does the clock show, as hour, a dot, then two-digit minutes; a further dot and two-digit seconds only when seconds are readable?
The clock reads 12.48.04
